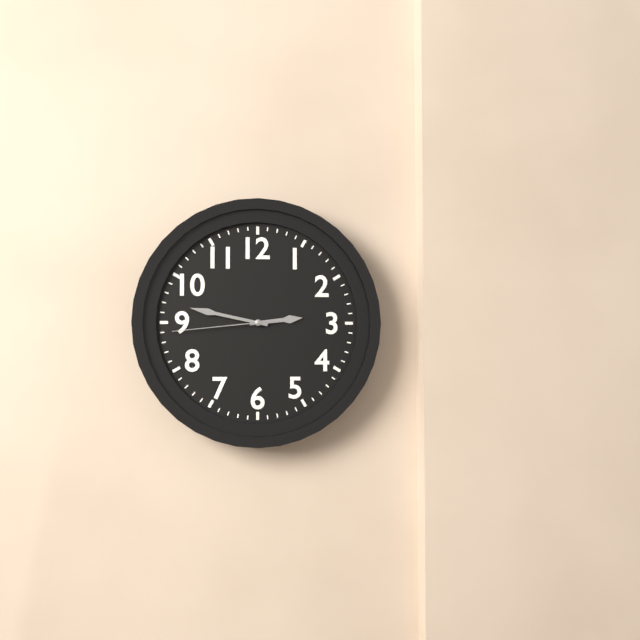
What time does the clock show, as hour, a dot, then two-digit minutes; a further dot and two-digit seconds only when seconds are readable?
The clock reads 2.47.44
